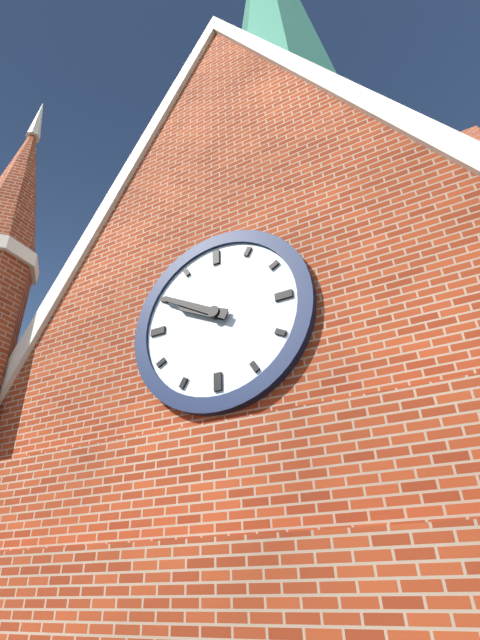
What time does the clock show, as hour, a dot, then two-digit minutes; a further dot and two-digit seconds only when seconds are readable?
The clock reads 9.50
